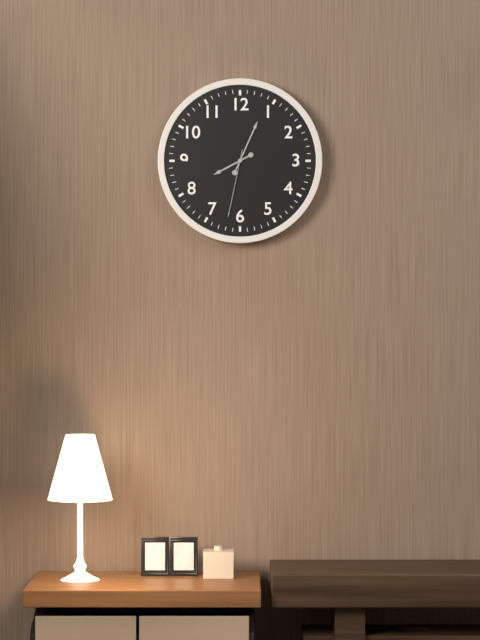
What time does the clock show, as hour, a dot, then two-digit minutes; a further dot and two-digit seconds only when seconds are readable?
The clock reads 8.04.32
